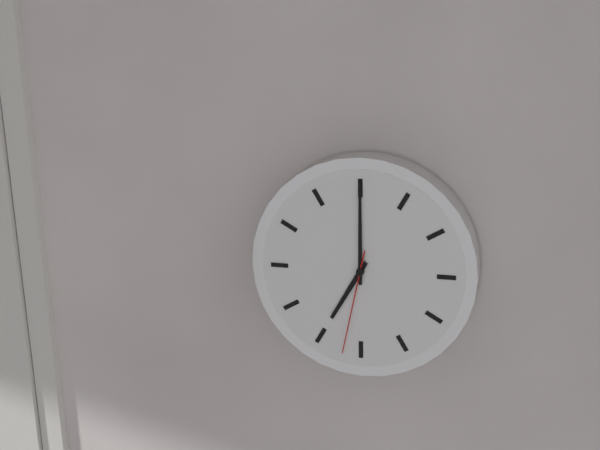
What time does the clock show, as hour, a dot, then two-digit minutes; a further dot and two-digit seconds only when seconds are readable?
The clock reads 7.00.32
